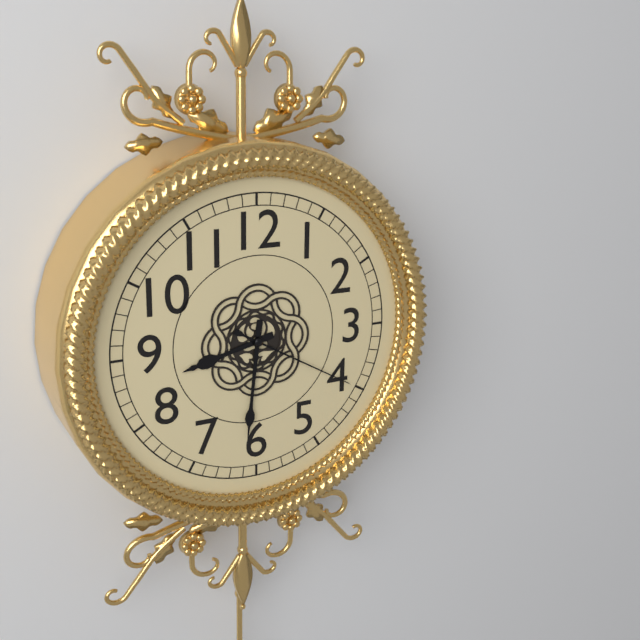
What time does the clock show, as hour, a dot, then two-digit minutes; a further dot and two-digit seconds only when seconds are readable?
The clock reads 8.31.20
